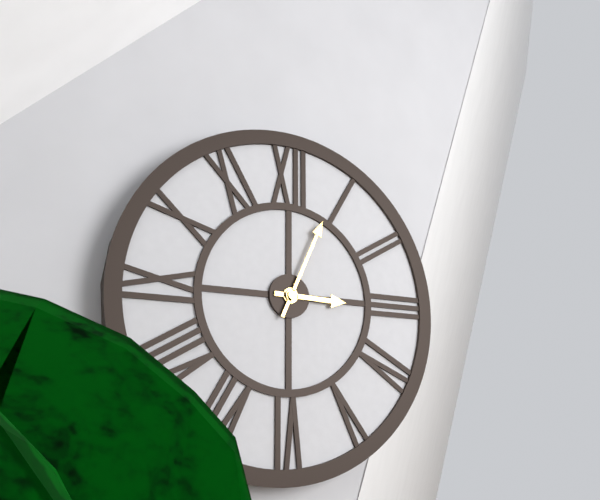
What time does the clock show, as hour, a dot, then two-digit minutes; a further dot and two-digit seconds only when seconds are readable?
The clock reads 3.04
